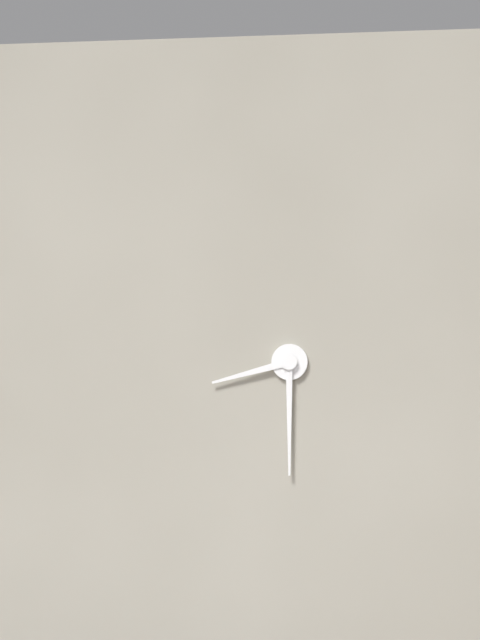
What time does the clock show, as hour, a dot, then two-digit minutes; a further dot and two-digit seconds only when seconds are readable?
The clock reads 8.30
